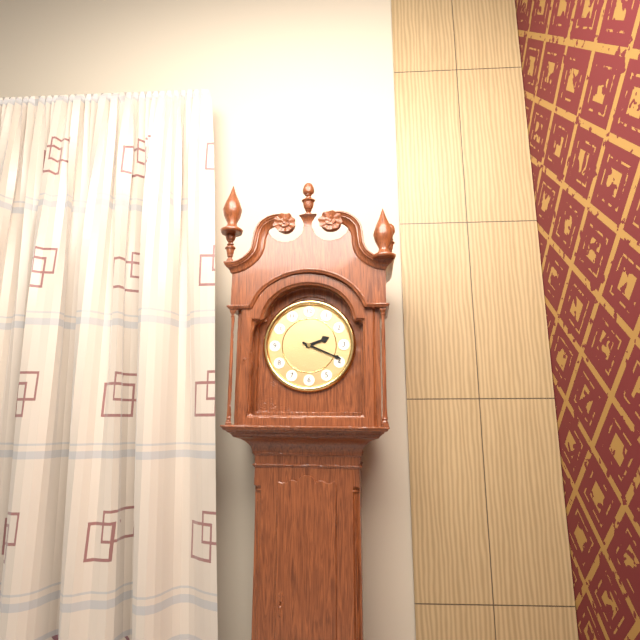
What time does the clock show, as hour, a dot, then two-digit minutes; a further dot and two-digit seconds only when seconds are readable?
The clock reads 2.19
